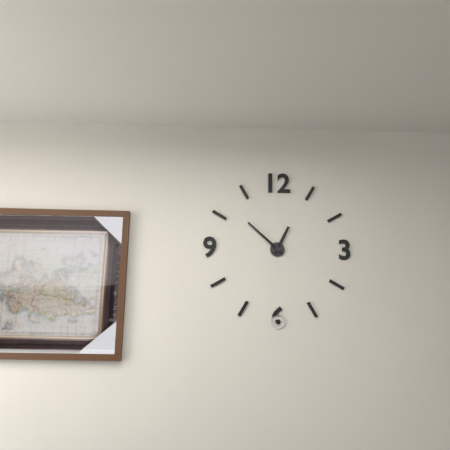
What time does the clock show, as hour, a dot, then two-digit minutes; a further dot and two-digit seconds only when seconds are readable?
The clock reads 12.52
